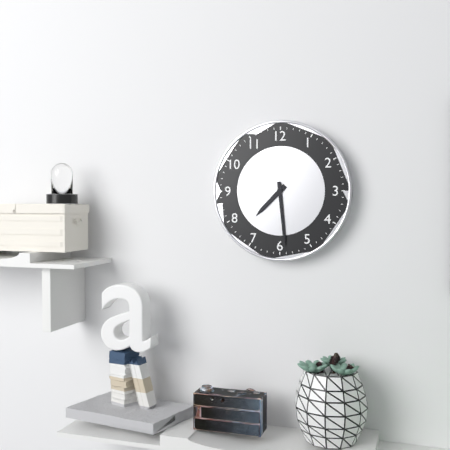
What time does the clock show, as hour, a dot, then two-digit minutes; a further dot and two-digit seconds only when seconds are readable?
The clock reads 7.29
